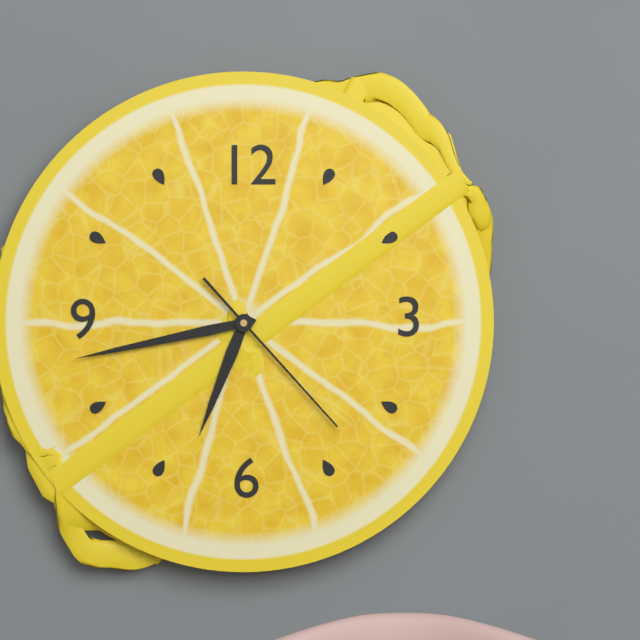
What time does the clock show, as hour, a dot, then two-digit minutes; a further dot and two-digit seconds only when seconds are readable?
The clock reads 6.43.23
